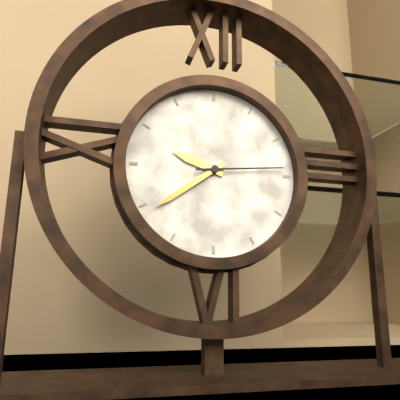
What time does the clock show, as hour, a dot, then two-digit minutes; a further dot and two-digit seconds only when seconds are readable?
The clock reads 9.39.14
